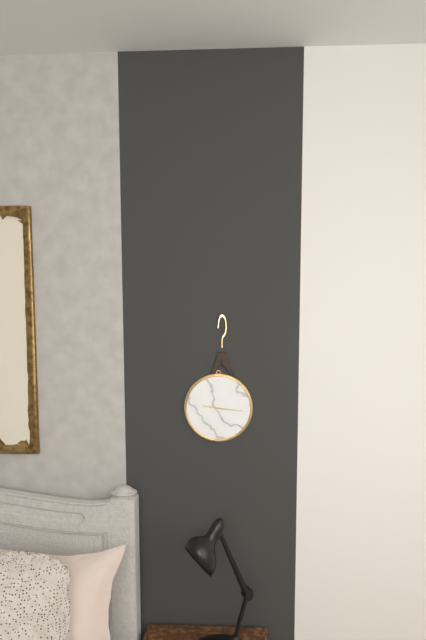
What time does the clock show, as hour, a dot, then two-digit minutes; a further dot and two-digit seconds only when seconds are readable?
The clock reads 9.16
